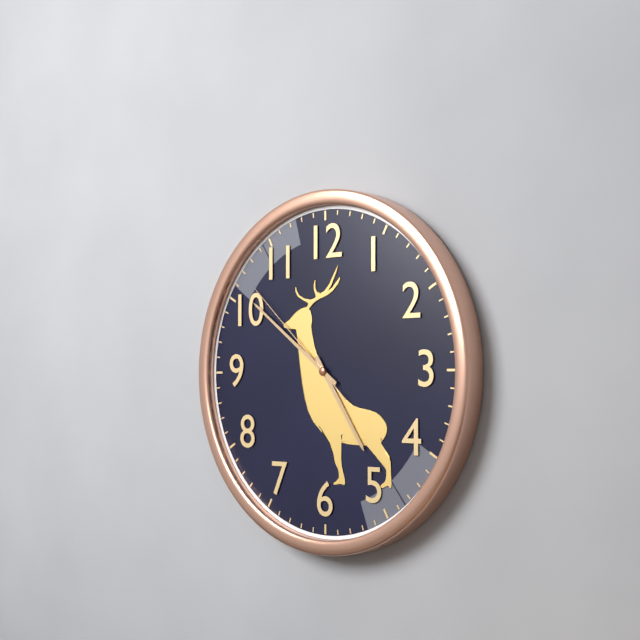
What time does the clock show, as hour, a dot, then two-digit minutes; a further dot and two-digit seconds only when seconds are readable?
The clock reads 4.51.52
